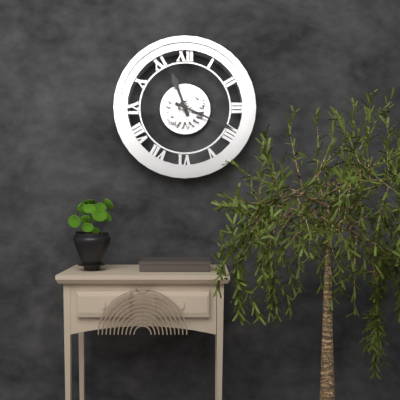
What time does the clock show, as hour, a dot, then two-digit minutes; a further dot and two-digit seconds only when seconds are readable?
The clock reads 11.19
